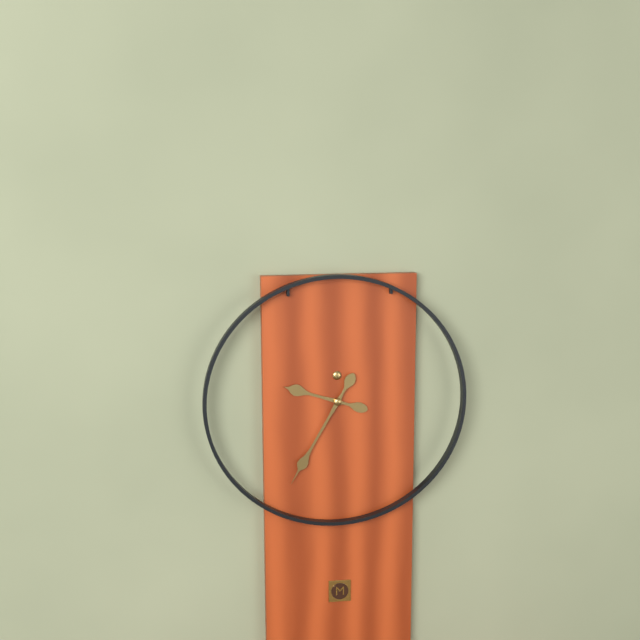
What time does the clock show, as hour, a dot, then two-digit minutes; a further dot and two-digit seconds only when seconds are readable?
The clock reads 9.35
